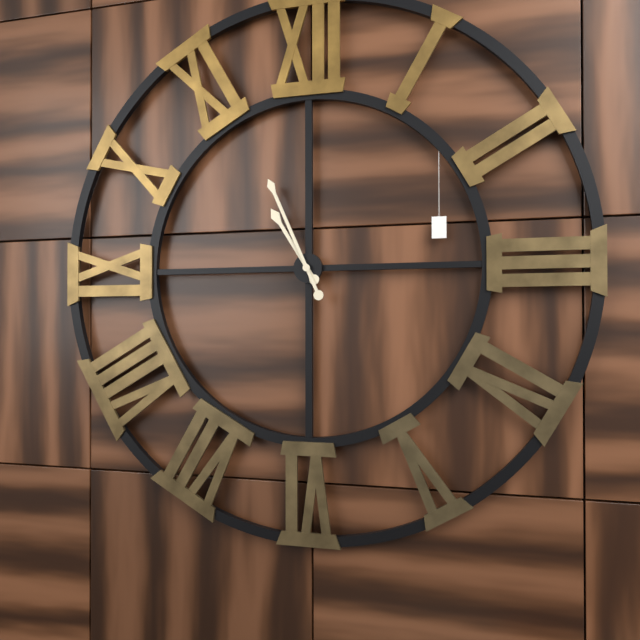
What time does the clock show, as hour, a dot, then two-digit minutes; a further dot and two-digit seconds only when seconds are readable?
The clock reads 10.56
